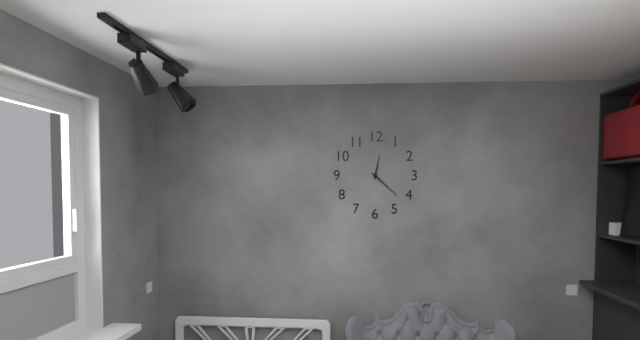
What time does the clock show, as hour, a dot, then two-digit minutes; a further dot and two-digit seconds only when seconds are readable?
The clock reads 12.22
